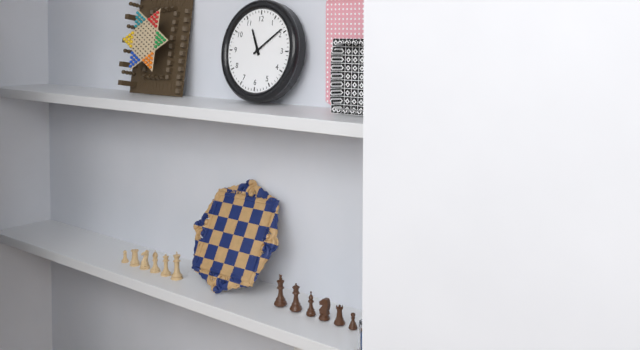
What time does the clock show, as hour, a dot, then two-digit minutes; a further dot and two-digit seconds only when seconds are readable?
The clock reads 11.09
